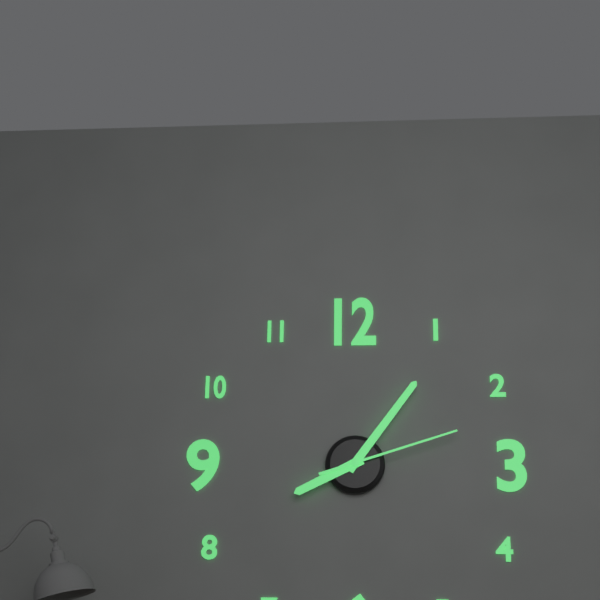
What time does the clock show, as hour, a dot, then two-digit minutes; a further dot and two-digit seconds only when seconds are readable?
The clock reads 8.06.12
